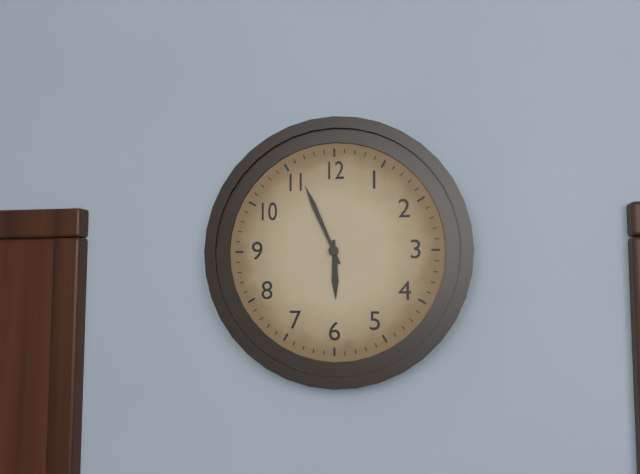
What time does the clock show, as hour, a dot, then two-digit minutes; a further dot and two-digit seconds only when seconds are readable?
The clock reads 5.56
